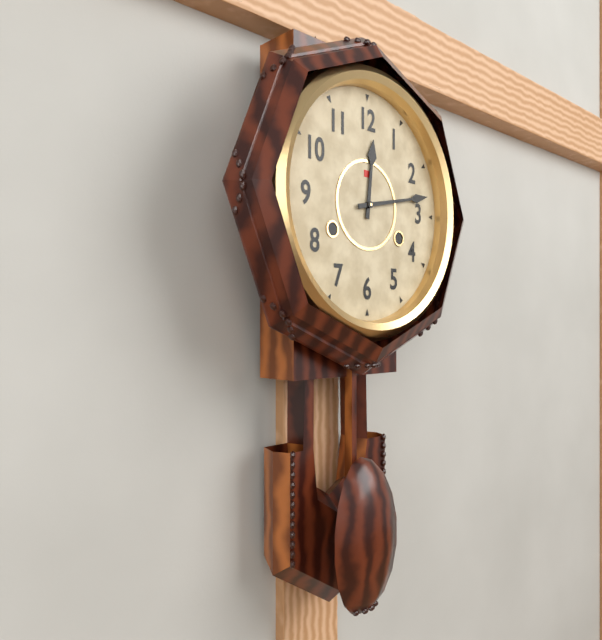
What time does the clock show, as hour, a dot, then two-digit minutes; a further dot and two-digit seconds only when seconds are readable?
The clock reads 12.13
